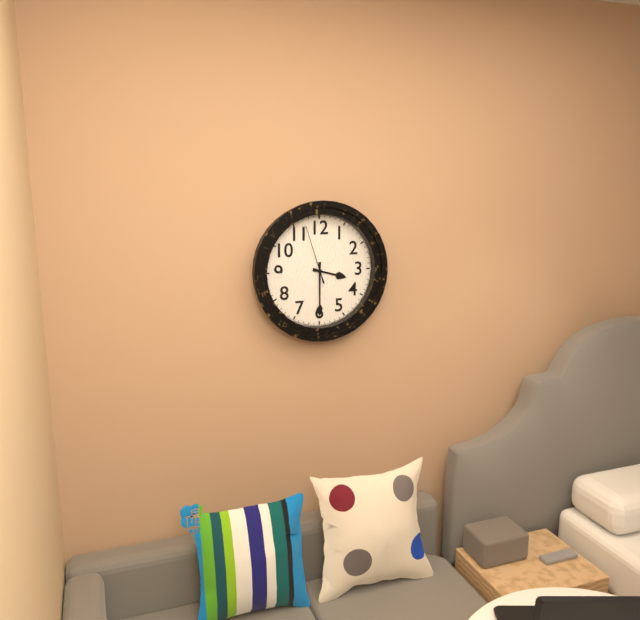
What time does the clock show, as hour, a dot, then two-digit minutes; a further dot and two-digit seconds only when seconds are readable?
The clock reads 3.30.57
